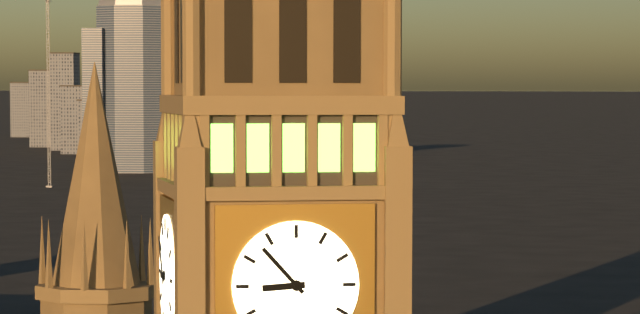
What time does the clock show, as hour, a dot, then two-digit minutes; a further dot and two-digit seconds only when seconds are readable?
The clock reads 8.53
